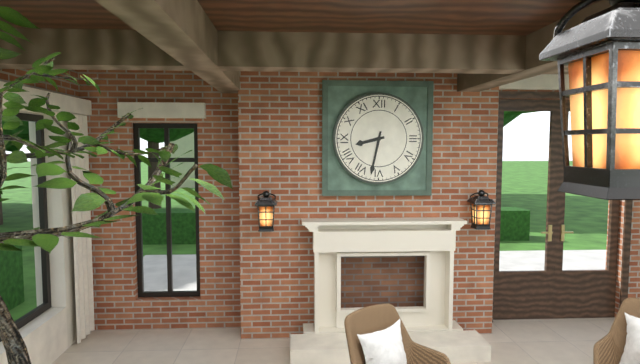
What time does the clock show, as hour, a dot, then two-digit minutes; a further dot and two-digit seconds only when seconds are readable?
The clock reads 8.32
